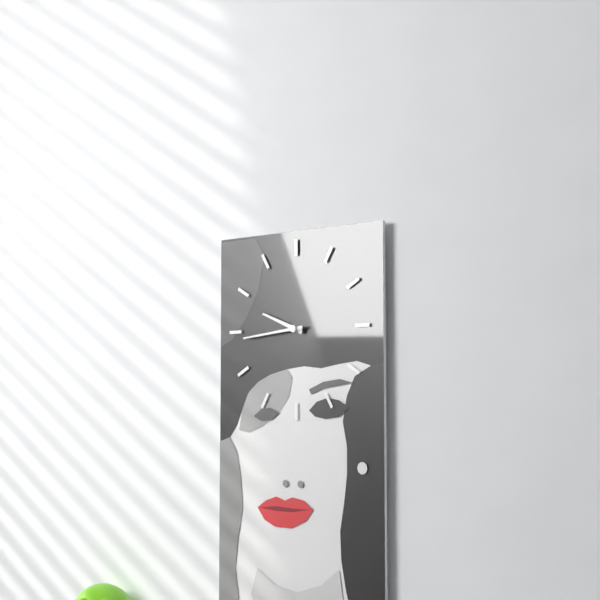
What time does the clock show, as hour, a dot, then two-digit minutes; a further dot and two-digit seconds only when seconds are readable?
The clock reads 9.44
